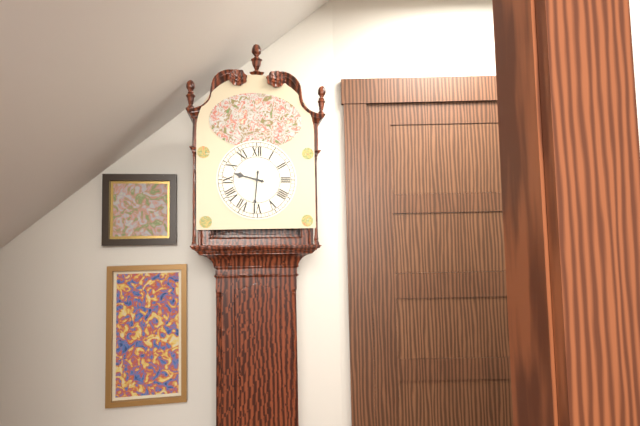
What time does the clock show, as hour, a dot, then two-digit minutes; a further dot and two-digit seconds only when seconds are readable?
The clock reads 9.31
